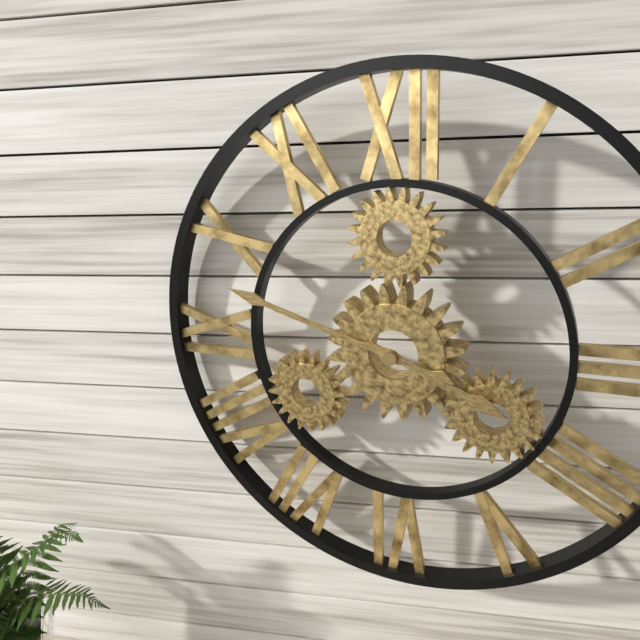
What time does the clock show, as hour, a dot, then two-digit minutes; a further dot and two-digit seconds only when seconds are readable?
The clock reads 3.48
